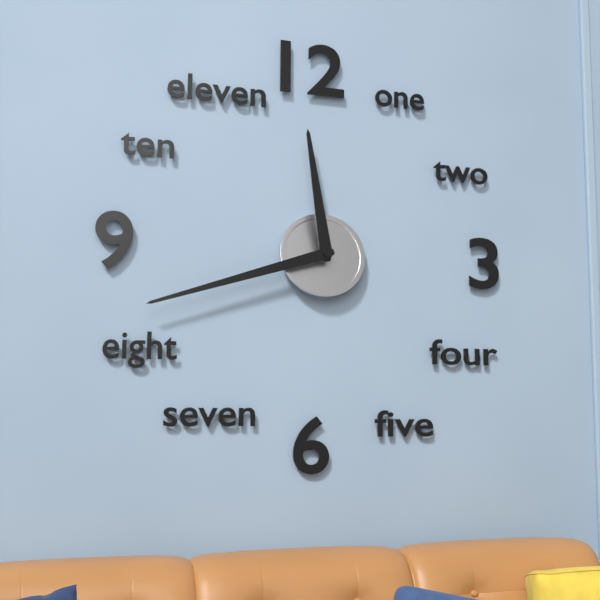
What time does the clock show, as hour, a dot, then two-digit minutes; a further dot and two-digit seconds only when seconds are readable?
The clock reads 11.42
